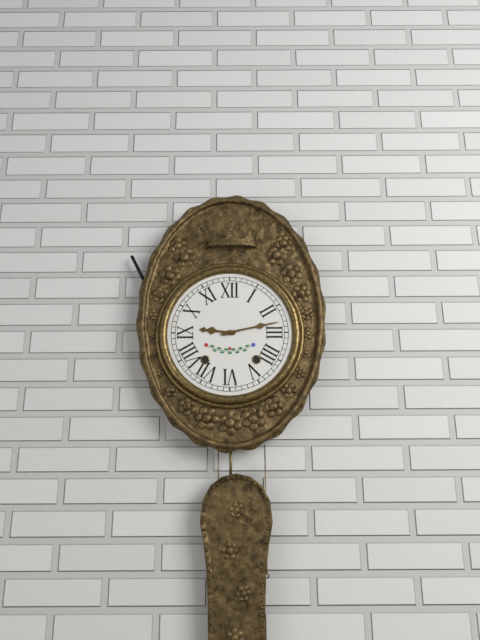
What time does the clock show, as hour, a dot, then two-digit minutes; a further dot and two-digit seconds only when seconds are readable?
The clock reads 9.13
